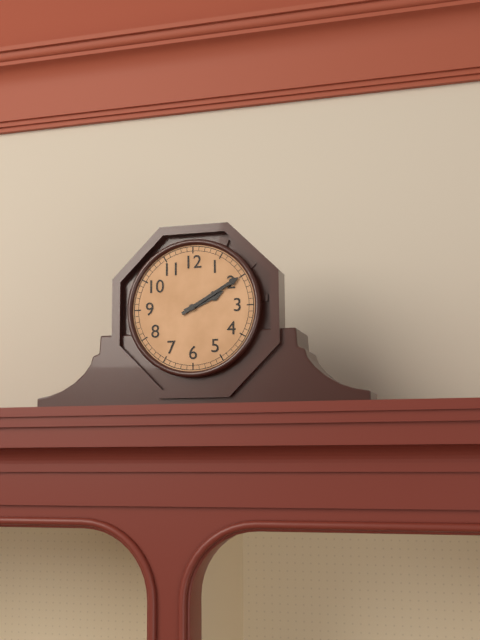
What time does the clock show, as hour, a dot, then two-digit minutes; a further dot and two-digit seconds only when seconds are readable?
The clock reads 2.10
